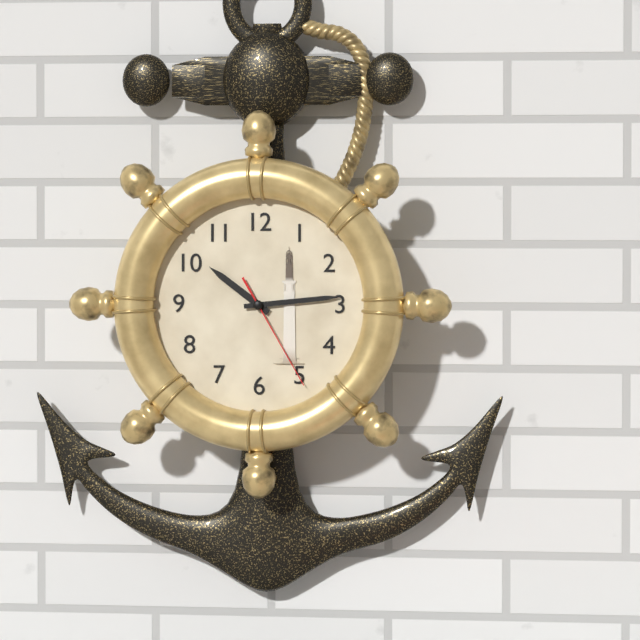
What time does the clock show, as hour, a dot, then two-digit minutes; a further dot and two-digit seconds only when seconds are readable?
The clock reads 10.14.25
